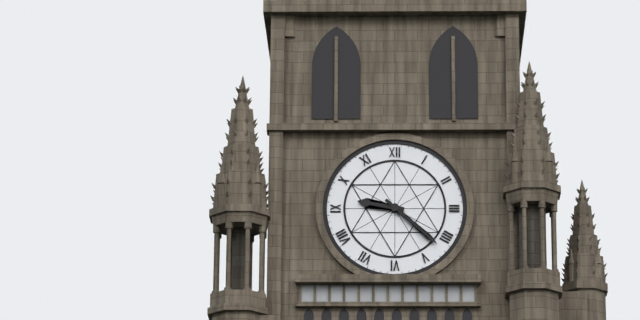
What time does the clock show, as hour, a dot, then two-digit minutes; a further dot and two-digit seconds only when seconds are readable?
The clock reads 9.22
